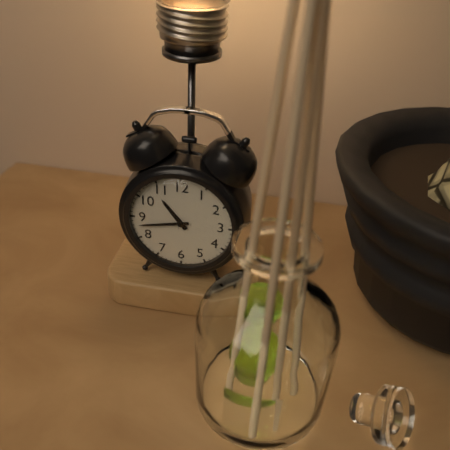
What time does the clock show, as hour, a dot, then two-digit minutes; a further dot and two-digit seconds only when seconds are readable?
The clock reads 10.43
